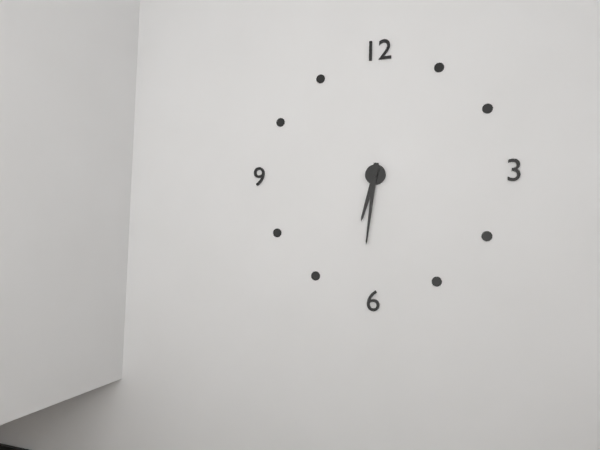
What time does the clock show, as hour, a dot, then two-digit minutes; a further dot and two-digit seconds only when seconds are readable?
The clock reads 6.31
